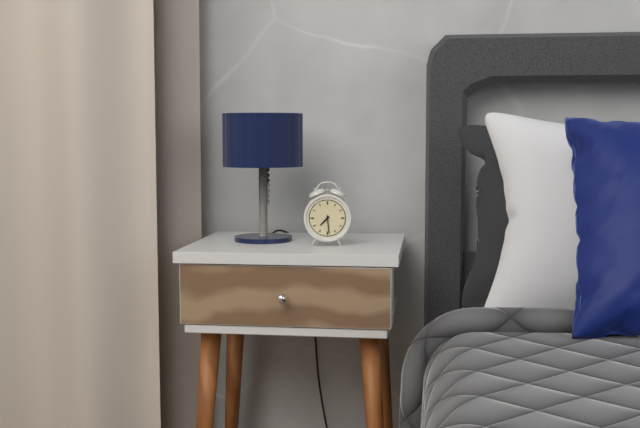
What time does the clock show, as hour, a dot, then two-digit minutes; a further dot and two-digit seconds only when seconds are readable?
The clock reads 7.29
